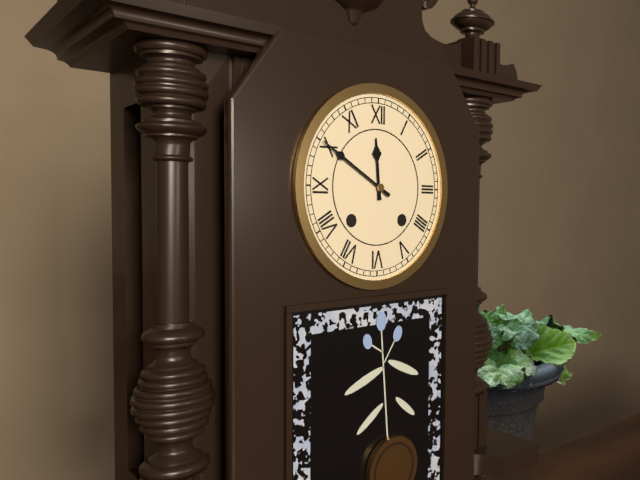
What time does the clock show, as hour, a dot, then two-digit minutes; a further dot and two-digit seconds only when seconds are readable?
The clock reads 11.50
